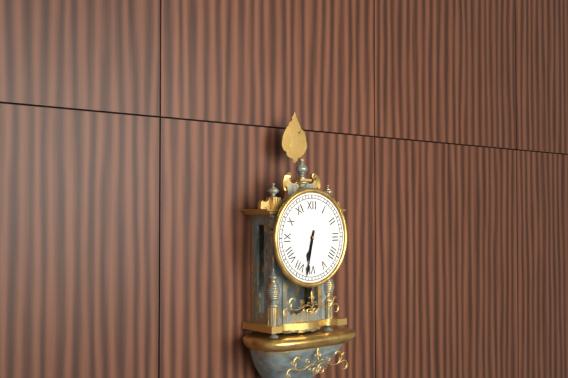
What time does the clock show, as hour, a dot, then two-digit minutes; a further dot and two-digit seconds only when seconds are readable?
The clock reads 6.32
